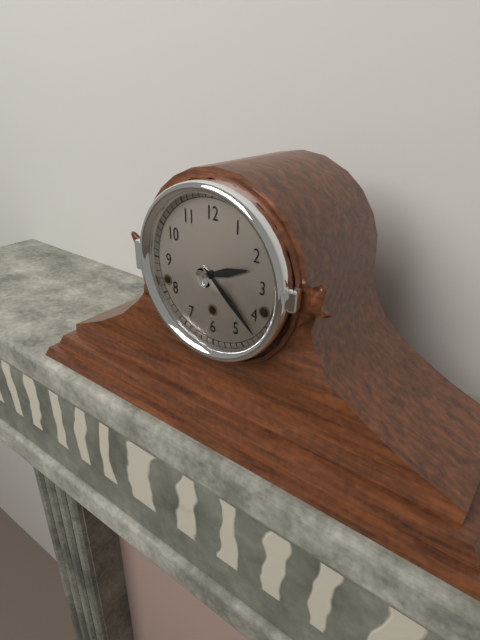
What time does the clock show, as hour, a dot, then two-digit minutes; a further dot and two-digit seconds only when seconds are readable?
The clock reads 2.22
